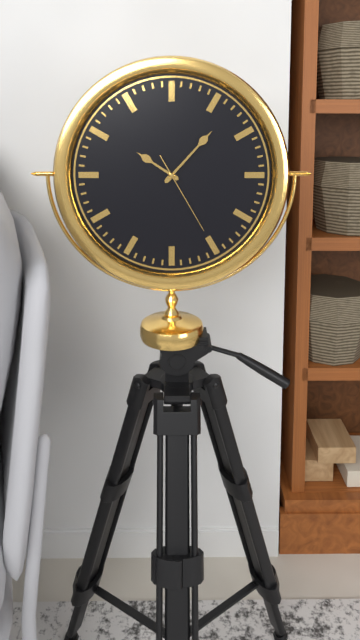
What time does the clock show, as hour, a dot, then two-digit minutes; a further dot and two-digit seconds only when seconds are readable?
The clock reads 10.07.25
